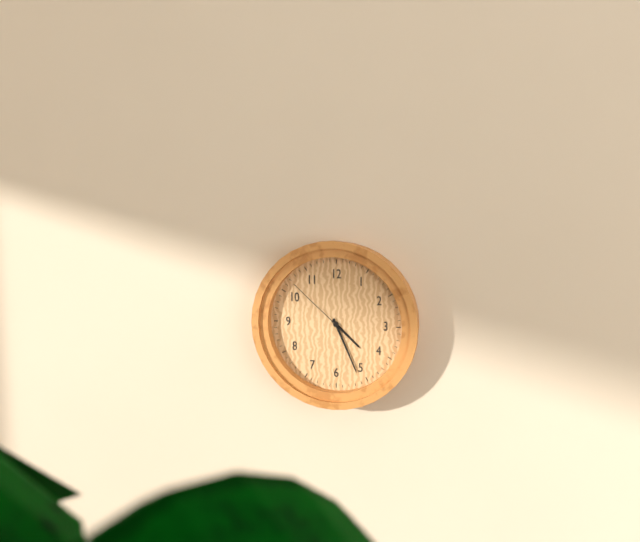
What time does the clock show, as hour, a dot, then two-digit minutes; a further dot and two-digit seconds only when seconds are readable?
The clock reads 4.26.52
